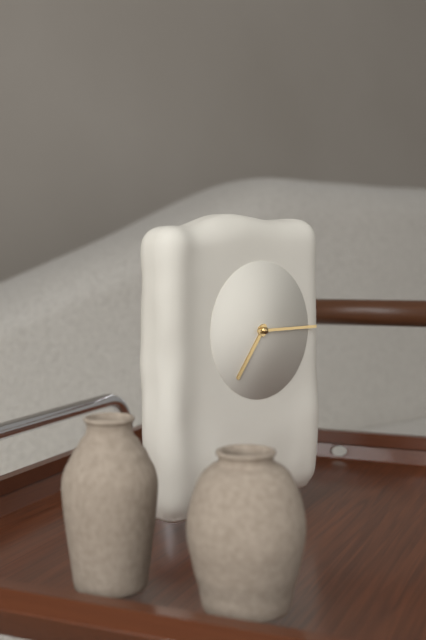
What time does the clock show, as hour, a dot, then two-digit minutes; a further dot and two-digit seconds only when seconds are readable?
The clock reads 7.15
